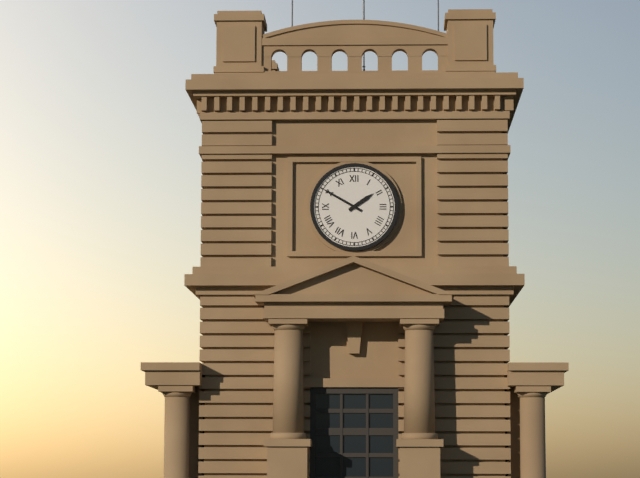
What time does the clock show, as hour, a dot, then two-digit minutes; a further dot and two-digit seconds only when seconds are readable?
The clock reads 1.50
